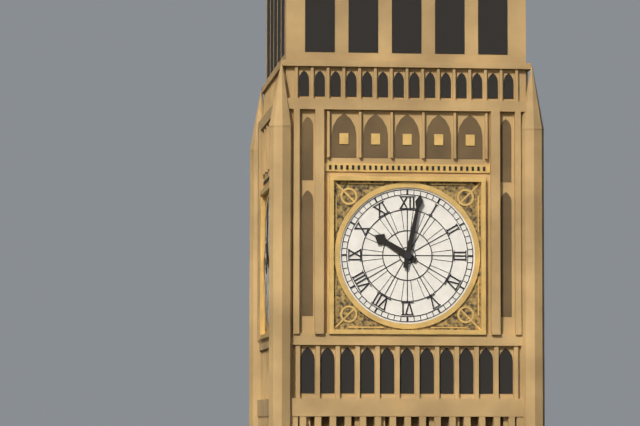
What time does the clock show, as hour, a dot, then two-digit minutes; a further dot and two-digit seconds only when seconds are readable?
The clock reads 10.02
